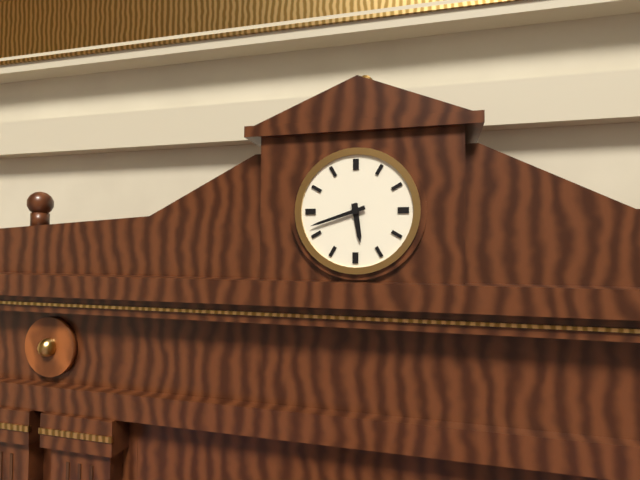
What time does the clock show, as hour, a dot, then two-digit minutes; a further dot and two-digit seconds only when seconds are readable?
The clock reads 5.42
